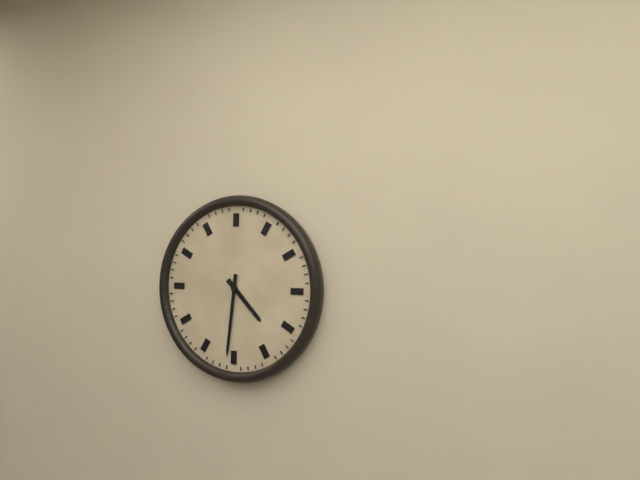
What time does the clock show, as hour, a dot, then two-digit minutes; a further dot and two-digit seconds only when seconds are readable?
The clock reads 4.31
